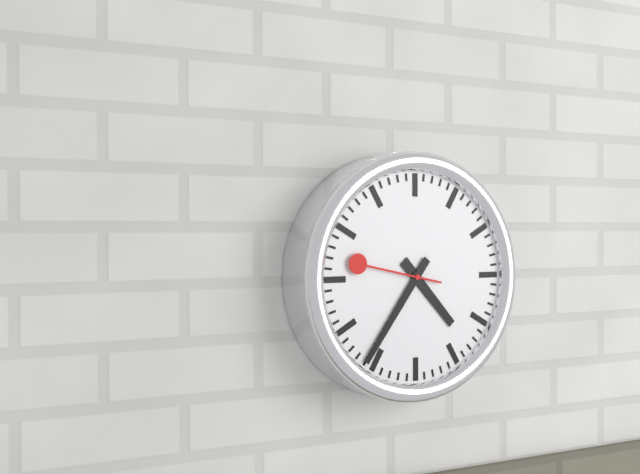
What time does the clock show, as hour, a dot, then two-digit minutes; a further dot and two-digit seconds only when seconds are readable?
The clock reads 4.36.47
